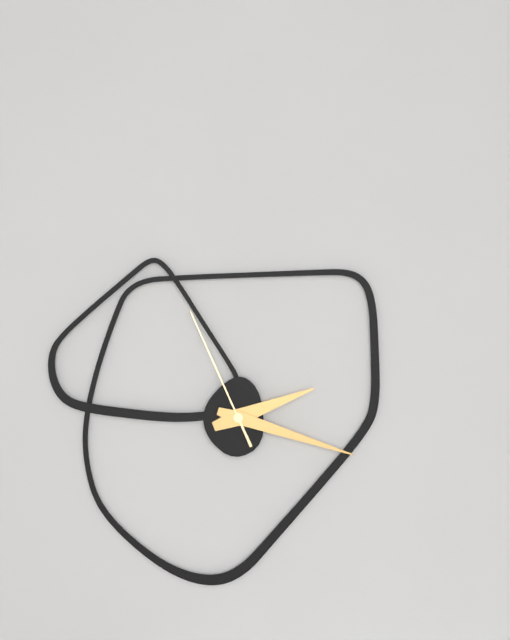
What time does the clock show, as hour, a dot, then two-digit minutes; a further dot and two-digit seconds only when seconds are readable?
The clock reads 2.18.56
